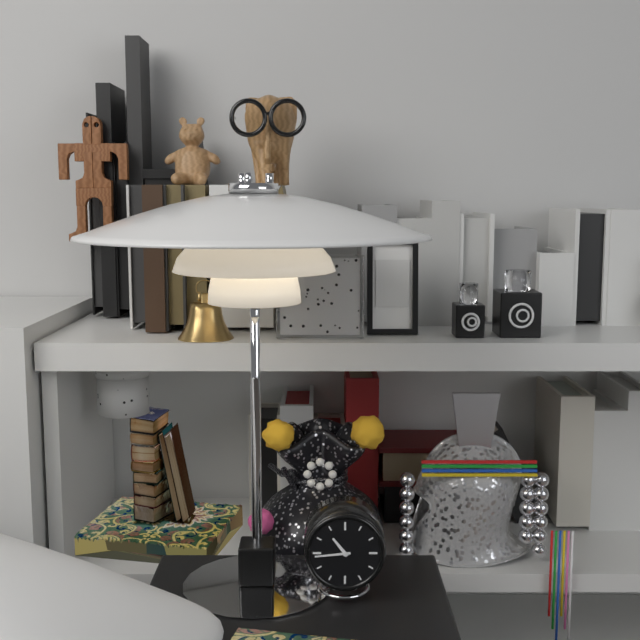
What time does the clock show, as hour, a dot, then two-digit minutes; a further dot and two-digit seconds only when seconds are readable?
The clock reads 10.44
